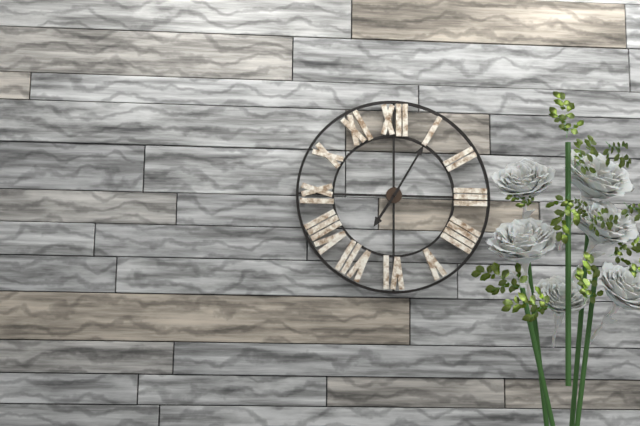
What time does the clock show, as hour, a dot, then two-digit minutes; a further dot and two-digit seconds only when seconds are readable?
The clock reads 7.05
